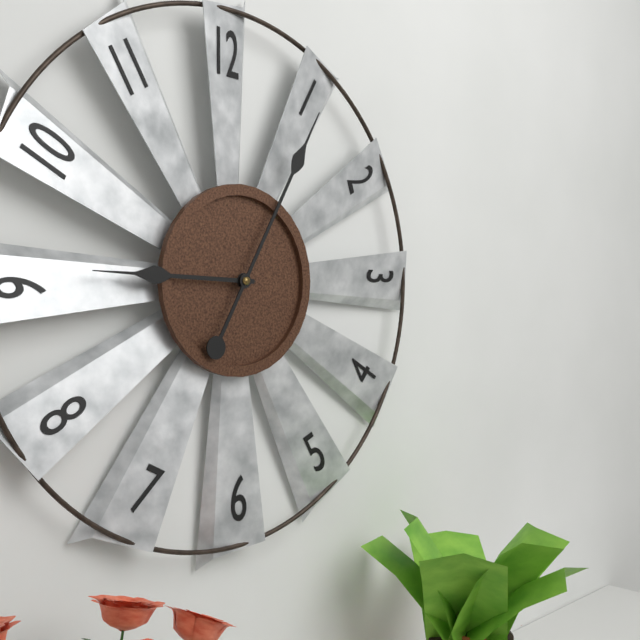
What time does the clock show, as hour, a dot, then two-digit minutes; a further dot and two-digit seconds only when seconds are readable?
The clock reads 9.05
